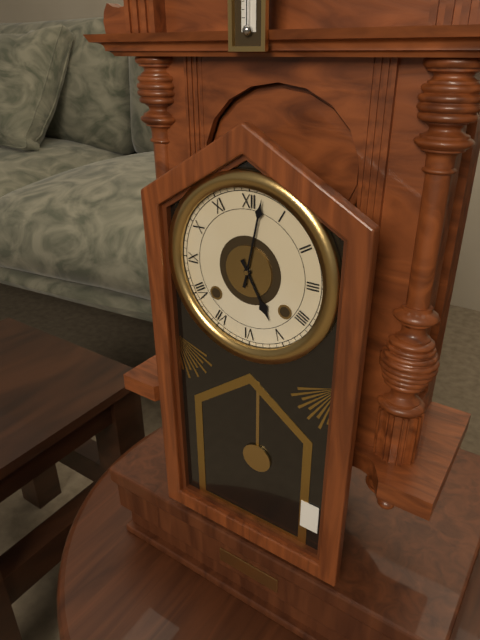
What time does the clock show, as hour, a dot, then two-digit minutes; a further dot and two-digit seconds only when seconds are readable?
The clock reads 5.02
